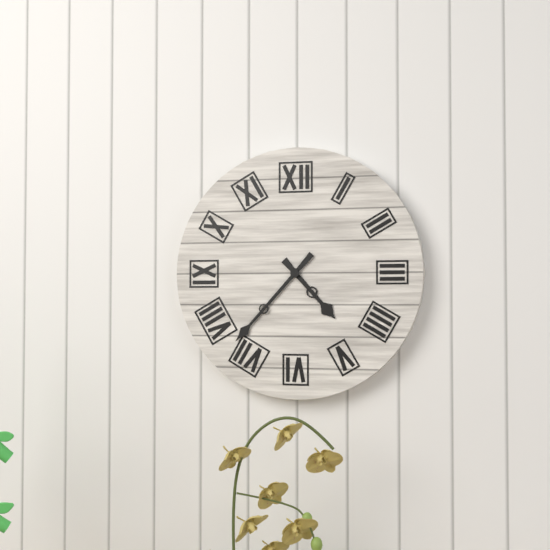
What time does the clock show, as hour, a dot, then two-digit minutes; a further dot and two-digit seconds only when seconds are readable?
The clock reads 4.37
